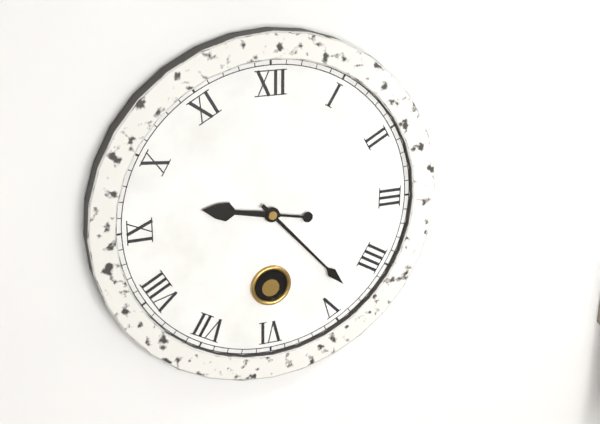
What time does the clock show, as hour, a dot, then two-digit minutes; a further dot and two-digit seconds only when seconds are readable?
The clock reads 9.23
